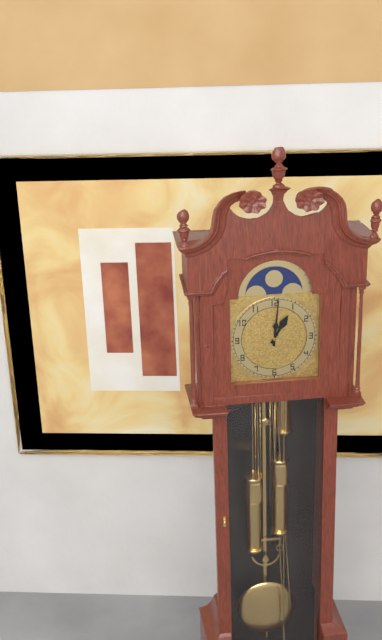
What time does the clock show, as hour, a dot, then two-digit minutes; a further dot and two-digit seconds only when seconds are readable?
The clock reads 1.01
